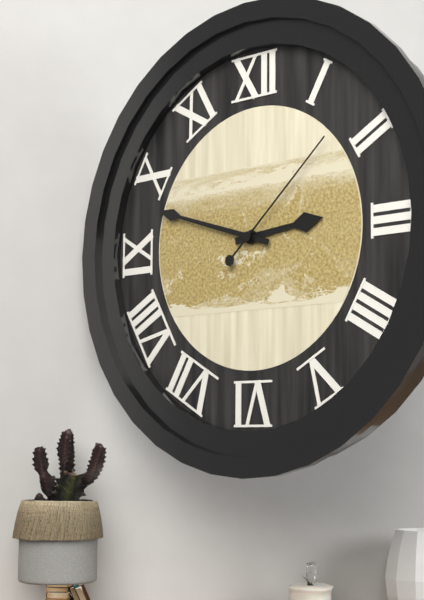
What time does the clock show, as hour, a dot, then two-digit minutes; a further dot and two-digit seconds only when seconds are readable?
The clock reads 2.48.08
